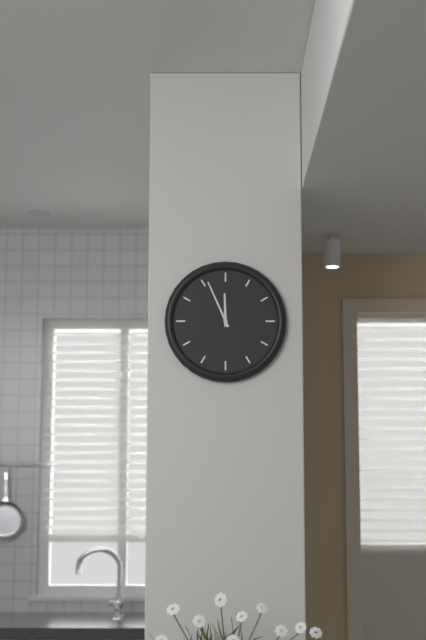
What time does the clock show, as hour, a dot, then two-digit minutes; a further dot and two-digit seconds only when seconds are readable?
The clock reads 11.56
